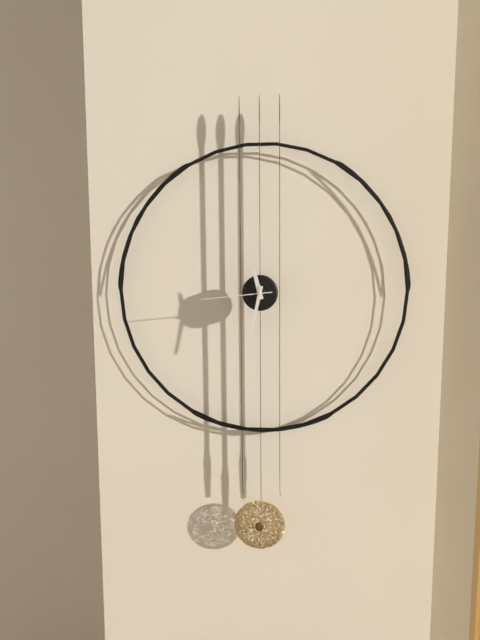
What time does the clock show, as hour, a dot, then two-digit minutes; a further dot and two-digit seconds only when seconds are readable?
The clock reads 11.32.44
